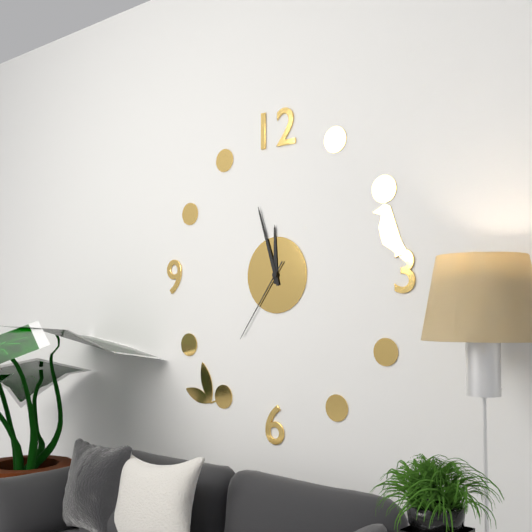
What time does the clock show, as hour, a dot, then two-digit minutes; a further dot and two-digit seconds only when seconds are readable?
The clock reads 11.57.36
